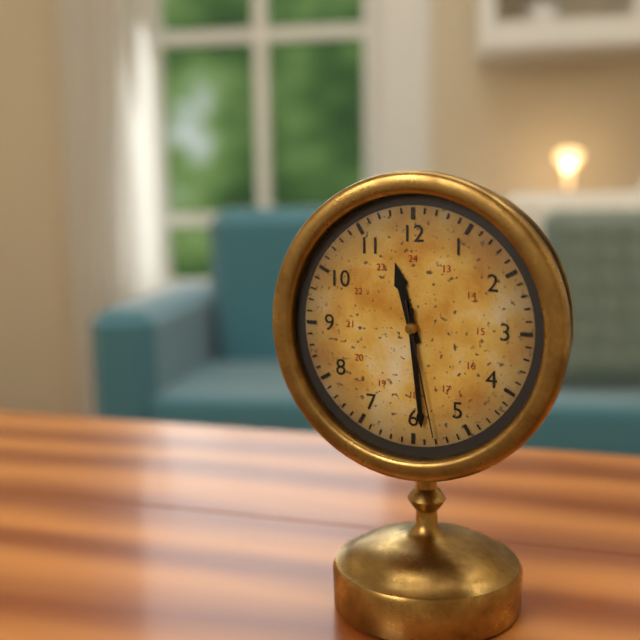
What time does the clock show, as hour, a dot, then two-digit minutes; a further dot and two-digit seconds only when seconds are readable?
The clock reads 11.29.28
